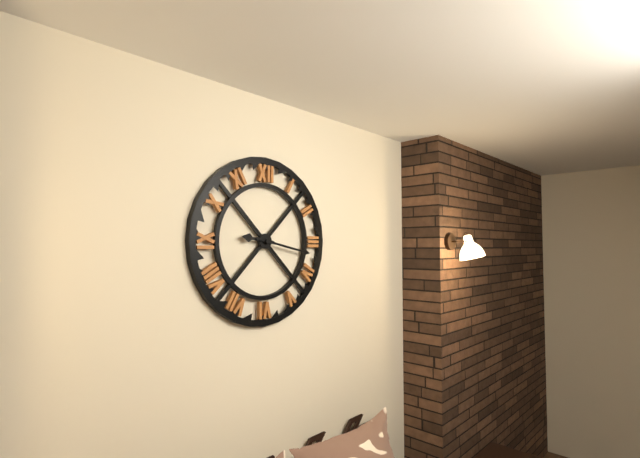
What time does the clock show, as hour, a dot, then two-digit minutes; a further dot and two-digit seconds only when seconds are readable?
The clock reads 9.17
